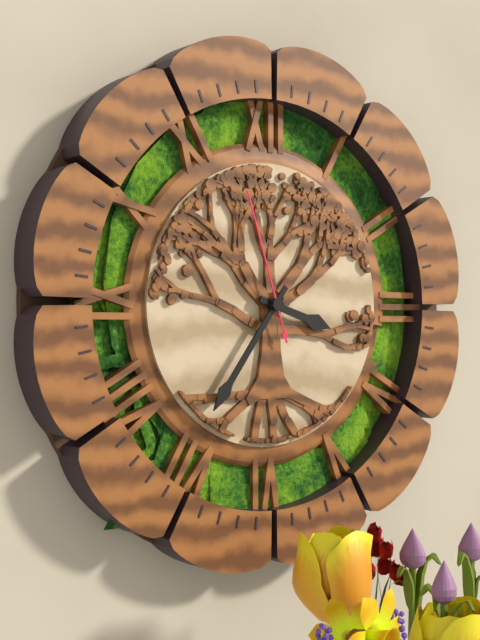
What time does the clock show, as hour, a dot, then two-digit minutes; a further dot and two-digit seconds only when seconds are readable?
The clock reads 3.36.57
